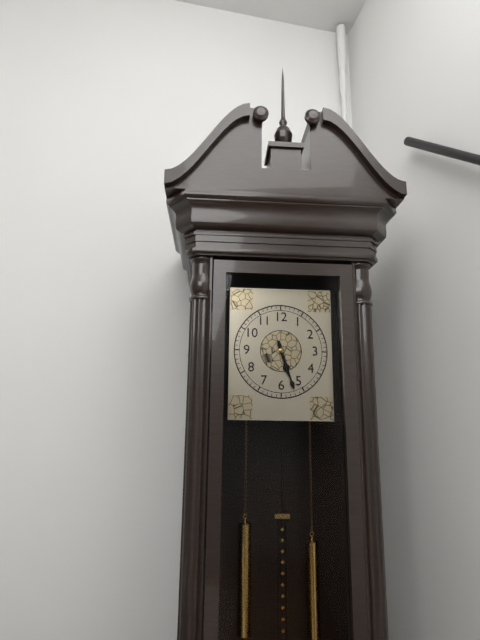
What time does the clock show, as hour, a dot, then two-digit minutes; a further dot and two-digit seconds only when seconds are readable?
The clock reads 5.27
